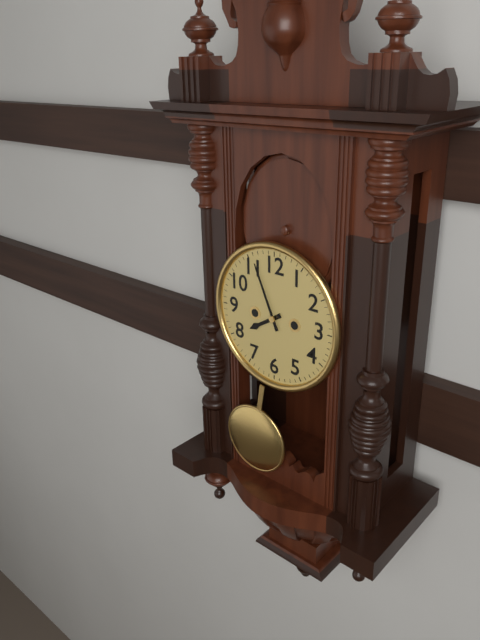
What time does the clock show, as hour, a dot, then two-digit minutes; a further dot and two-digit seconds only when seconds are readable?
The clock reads 7.56
